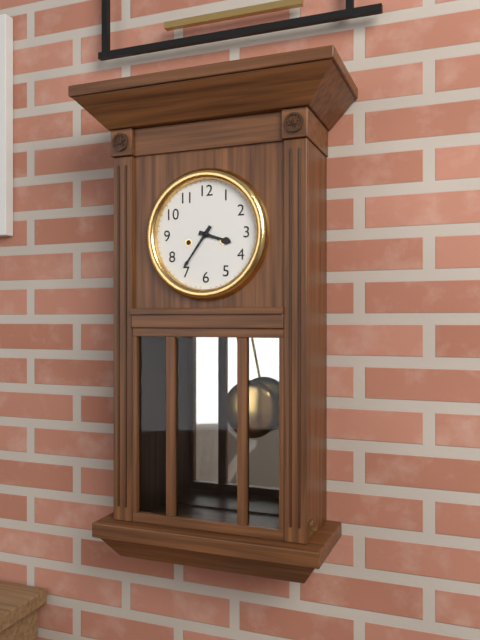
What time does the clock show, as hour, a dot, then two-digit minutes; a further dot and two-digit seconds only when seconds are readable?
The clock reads 3.36
